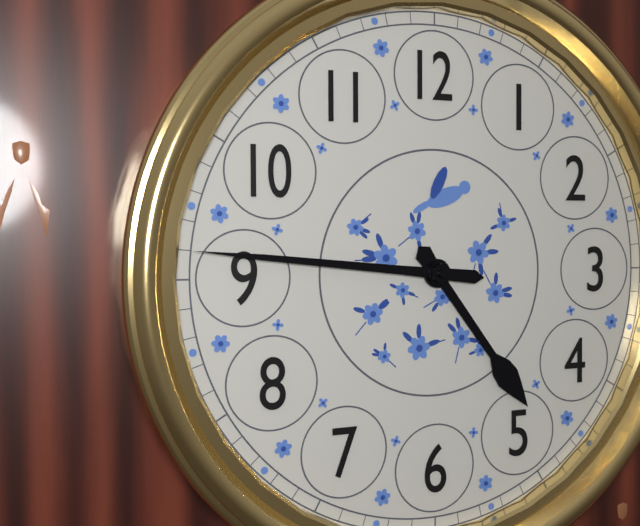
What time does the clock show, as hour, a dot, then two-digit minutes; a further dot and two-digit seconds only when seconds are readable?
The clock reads 4.46
